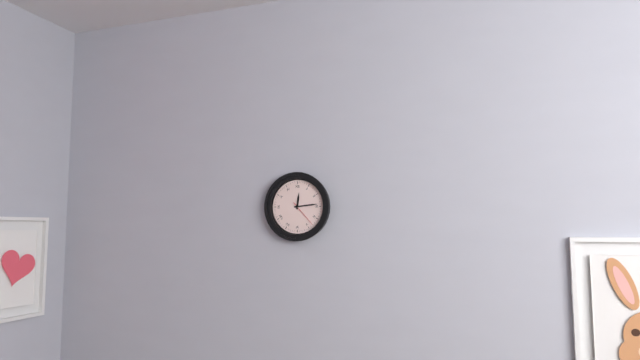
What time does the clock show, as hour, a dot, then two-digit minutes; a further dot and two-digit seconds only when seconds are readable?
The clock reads 12.14
